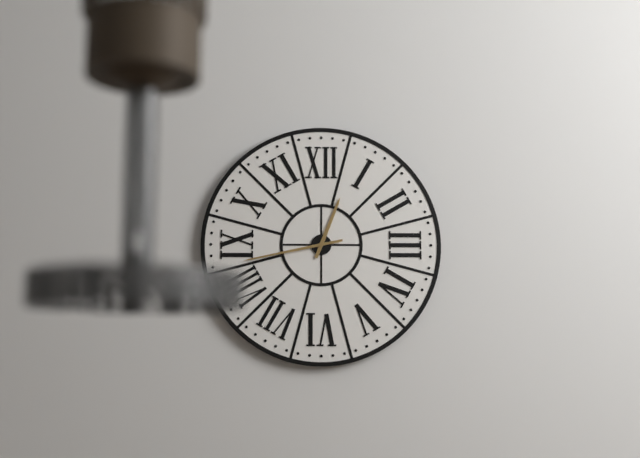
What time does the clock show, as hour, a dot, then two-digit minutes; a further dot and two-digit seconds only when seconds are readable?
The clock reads 12.43
